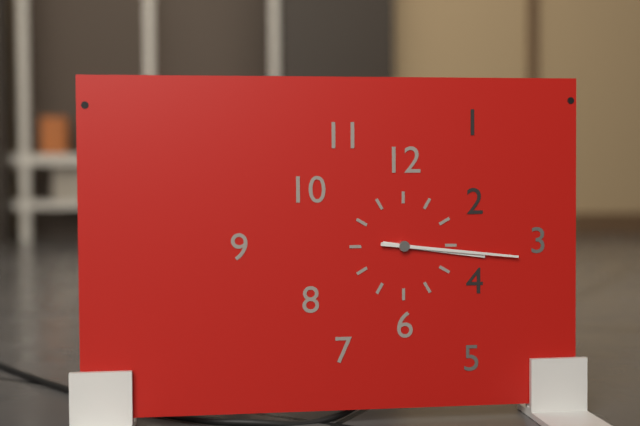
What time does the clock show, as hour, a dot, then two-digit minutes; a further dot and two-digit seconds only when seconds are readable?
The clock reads 3.16
